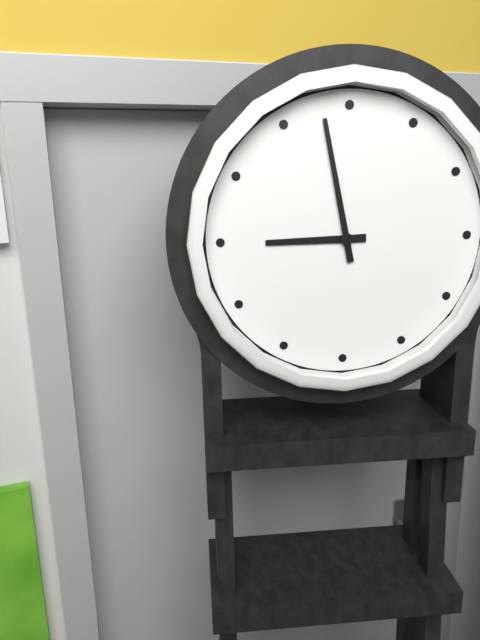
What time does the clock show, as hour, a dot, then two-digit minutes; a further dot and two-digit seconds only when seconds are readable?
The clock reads 8.58
